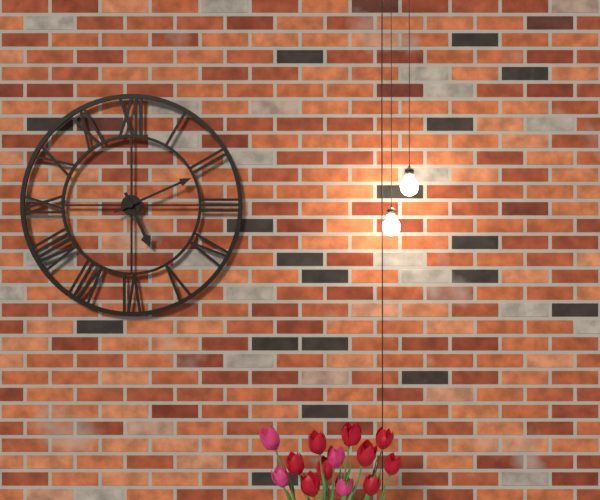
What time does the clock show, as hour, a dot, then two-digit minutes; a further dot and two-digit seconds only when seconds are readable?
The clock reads 5.11
